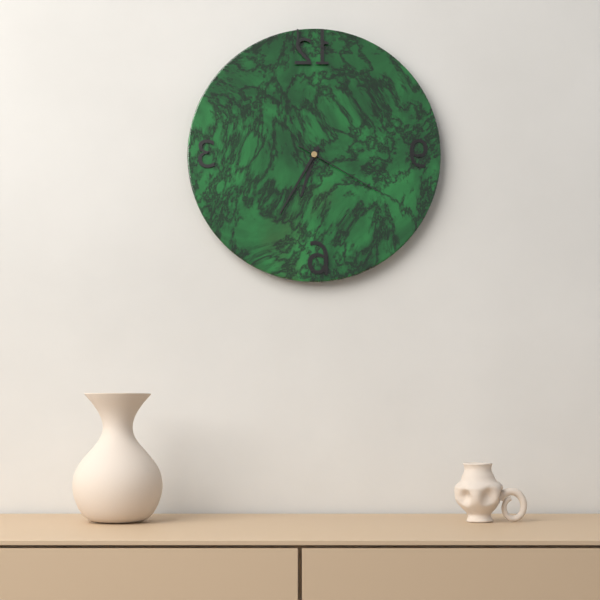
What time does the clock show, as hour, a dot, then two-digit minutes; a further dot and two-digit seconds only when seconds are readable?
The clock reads 6.35.20
